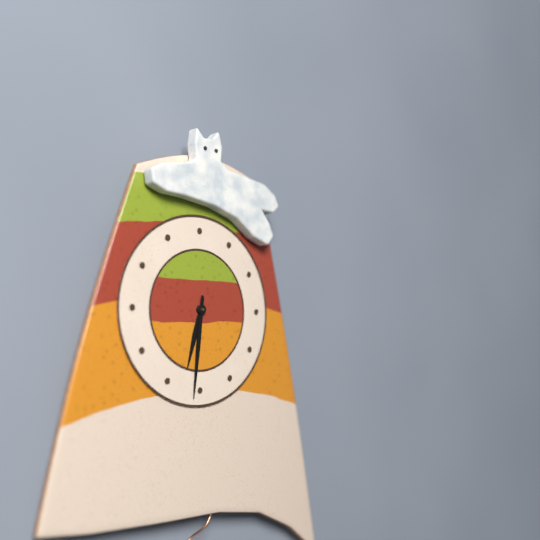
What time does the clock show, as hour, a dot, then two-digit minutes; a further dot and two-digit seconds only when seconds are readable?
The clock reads 6.31
